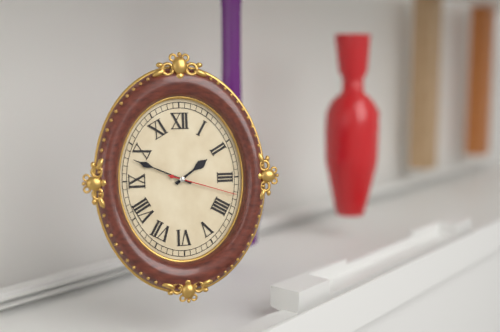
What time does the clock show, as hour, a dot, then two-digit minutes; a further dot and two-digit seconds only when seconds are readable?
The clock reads 1.49.18
